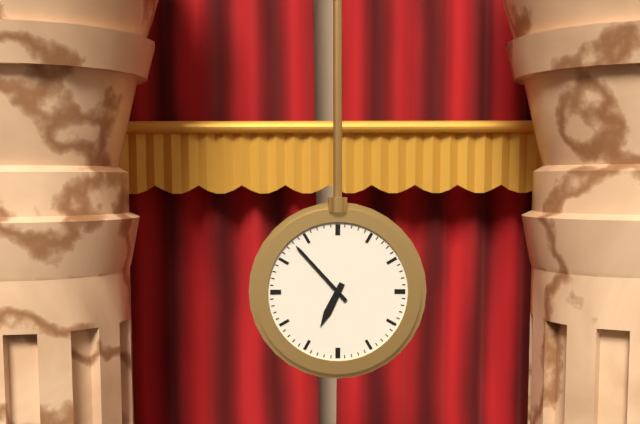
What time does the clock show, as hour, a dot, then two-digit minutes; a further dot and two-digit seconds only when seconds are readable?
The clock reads 6.53
